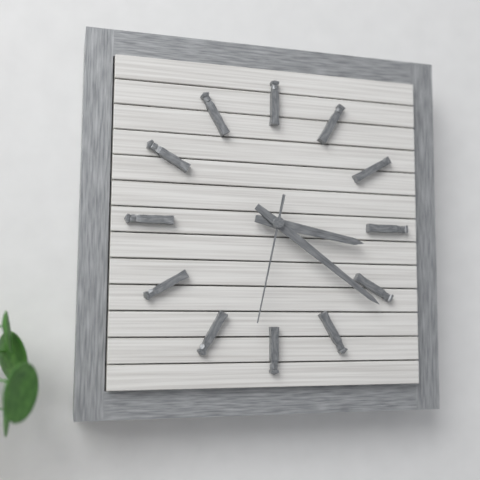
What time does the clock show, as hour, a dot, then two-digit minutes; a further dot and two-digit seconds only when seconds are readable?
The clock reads 3.21.32
